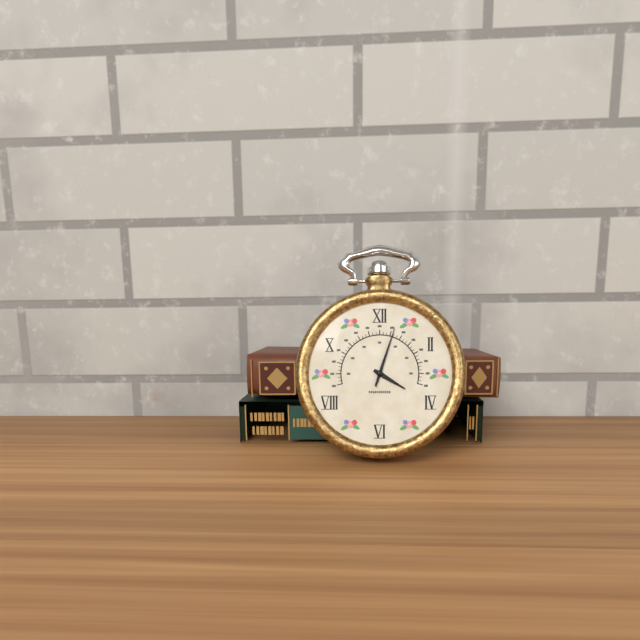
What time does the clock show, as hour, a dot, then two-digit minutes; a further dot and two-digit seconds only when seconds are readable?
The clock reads 4.03
